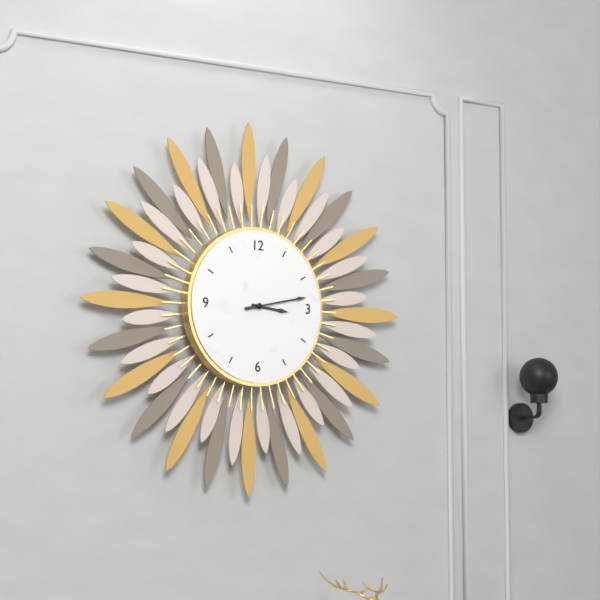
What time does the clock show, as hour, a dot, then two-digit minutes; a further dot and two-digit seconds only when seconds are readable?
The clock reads 3.13
